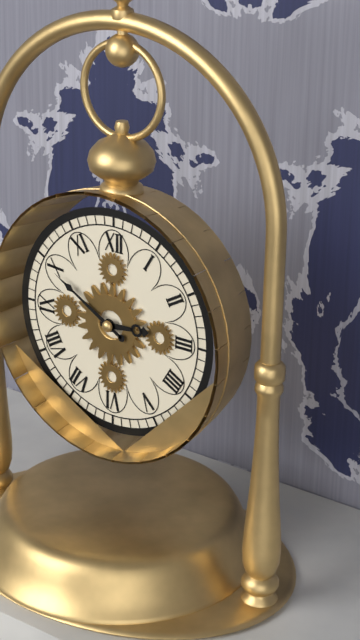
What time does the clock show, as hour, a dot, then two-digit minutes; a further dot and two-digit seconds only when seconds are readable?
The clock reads 2.50
